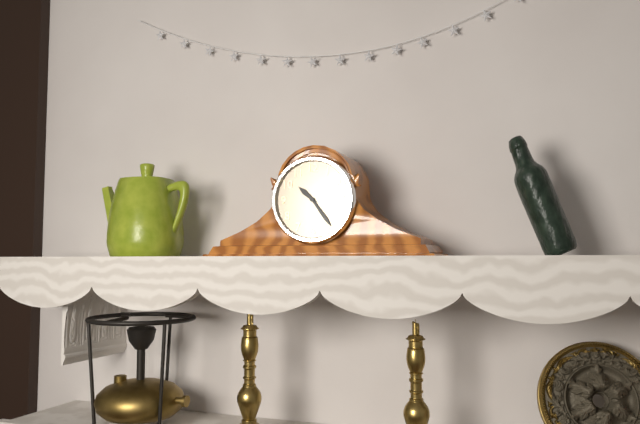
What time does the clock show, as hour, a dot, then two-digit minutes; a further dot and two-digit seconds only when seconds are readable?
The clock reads 10.24
